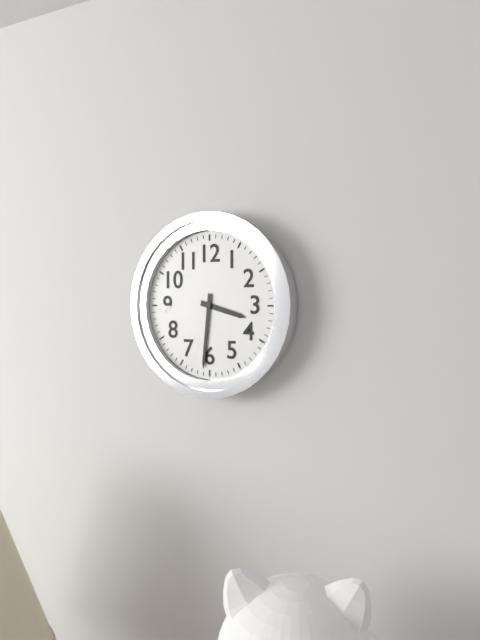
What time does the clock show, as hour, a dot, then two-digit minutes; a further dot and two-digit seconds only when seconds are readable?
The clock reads 3.31
